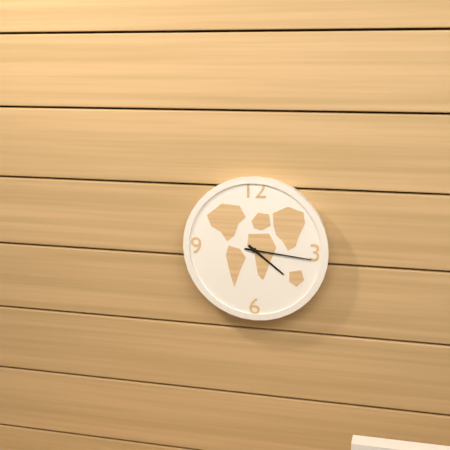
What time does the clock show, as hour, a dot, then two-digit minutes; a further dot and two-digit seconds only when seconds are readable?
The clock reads 4.16
